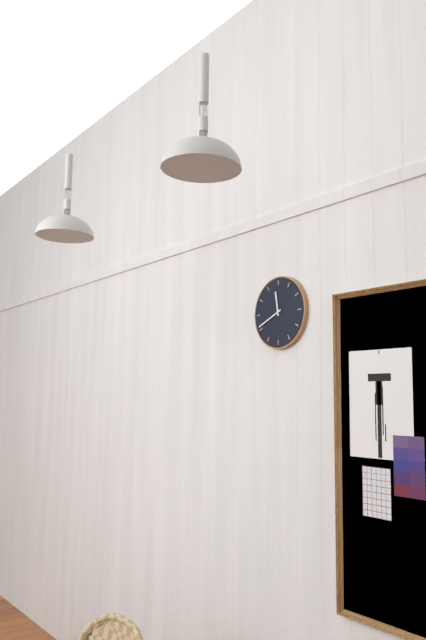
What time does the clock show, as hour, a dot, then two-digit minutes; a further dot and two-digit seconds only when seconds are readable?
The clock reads 11.41
